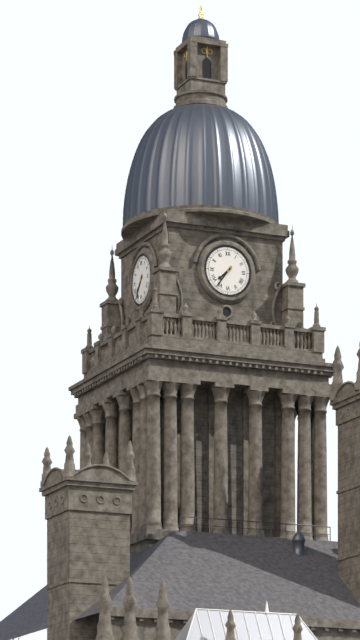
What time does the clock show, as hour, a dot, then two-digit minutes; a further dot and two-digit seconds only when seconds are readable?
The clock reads 7.36
